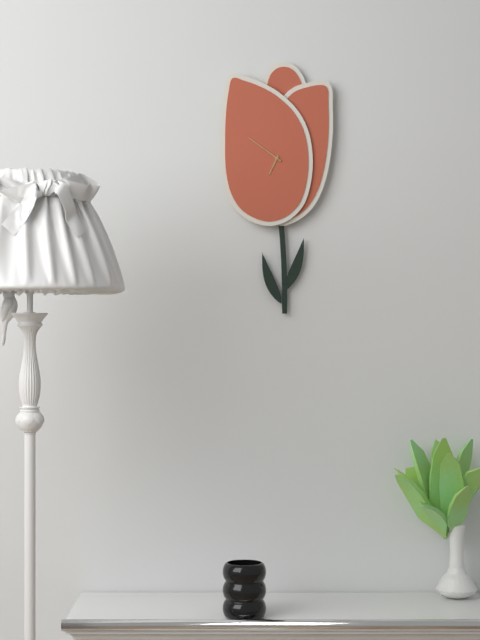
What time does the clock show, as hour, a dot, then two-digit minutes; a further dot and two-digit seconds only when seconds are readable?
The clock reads 6.51
